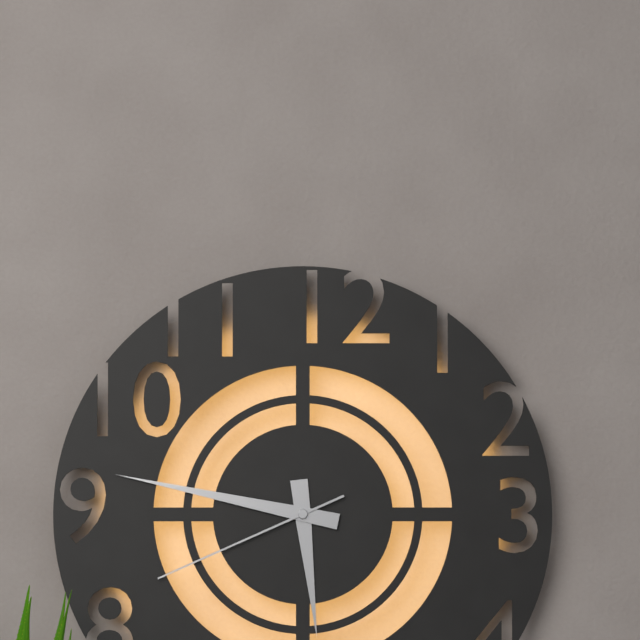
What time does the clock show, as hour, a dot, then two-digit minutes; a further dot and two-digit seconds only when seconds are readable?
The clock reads 5.47.41
